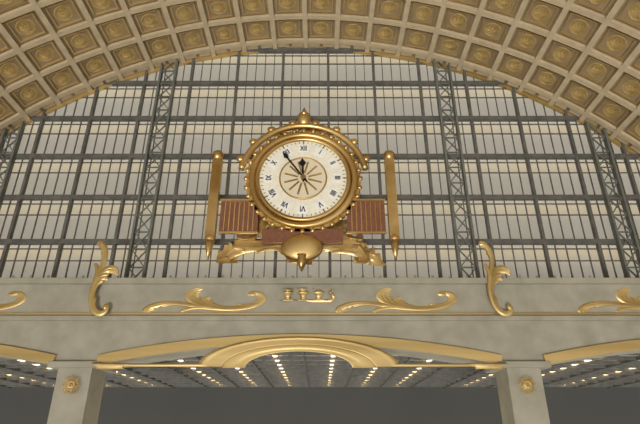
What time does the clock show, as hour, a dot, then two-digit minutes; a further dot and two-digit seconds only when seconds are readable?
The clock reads 11.54
